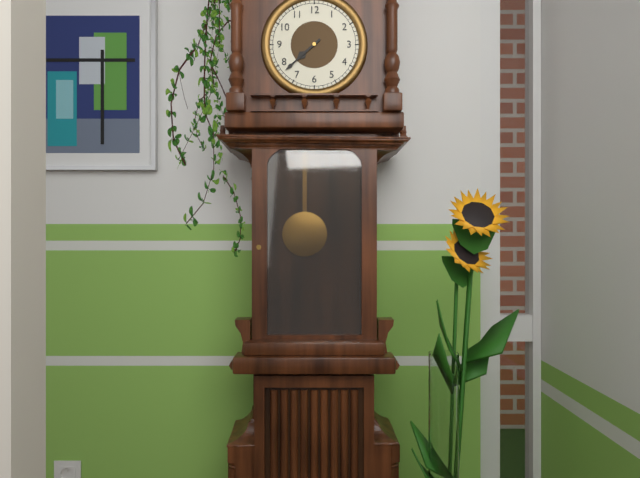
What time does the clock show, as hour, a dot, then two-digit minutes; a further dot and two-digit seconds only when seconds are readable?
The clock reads 7.38
